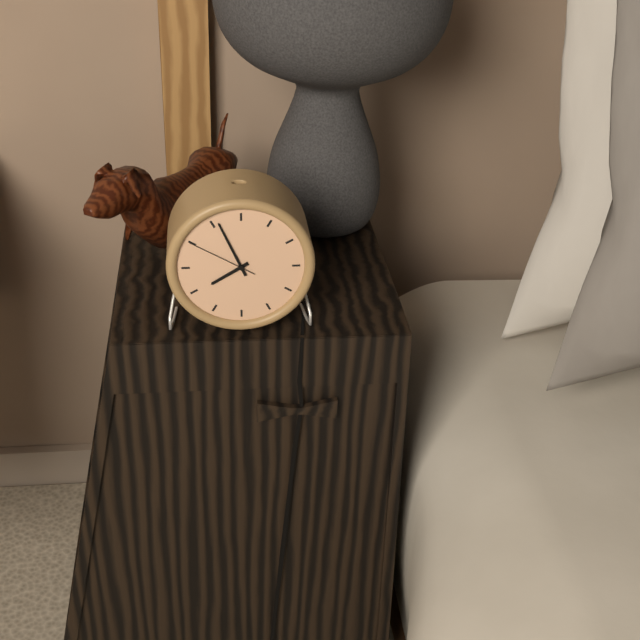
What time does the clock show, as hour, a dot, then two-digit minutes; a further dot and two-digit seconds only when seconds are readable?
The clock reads 7.56.50
